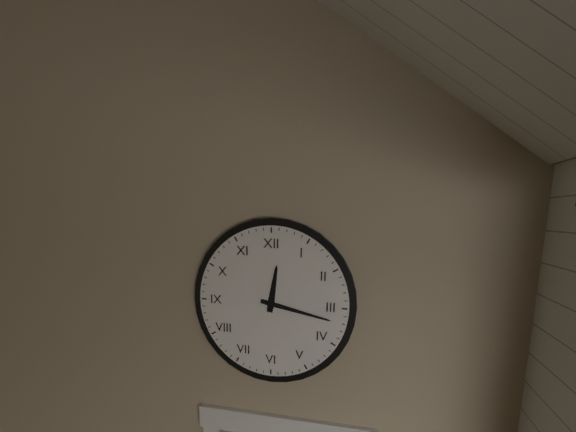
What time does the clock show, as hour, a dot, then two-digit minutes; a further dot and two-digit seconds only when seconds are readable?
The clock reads 12.17
